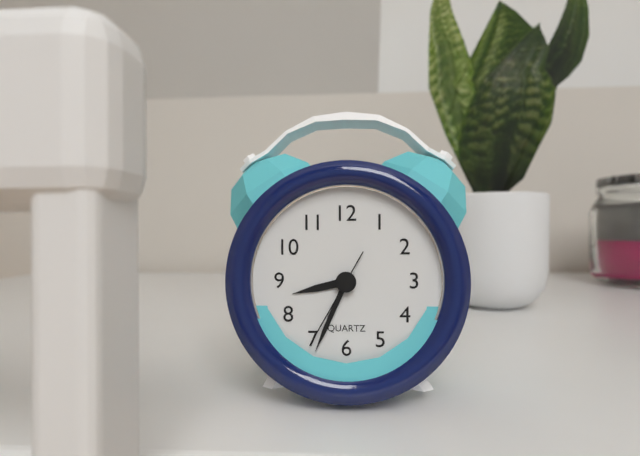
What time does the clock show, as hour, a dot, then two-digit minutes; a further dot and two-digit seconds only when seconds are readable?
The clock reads 8.34.35
